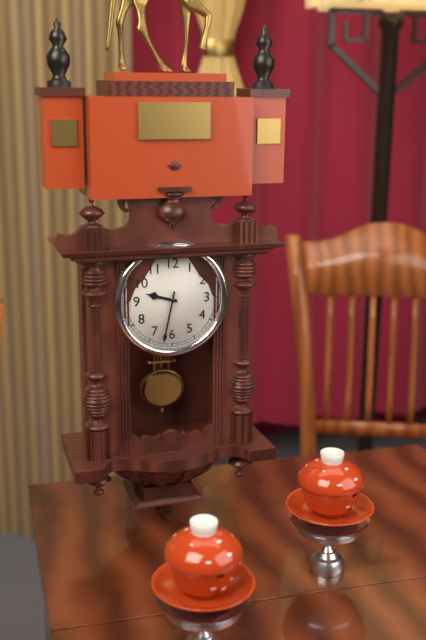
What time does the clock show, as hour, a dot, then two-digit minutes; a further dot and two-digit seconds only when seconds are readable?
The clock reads 9.32
